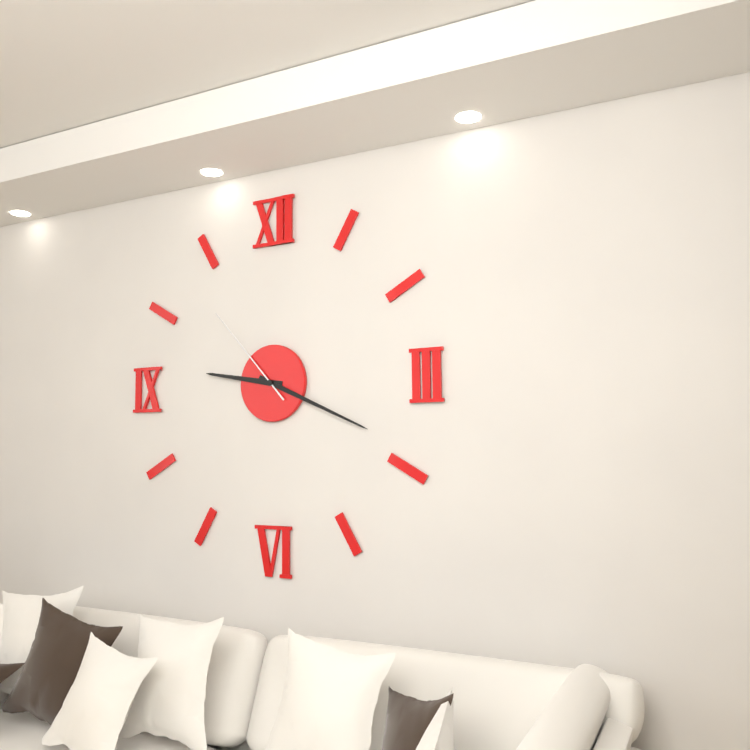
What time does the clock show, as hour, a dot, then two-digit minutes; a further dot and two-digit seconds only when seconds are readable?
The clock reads 9.19.53
